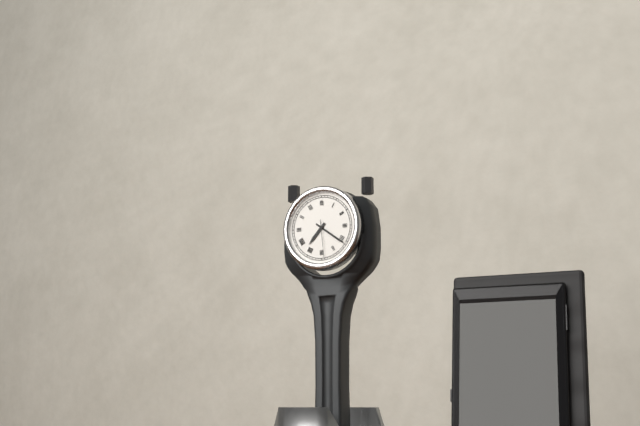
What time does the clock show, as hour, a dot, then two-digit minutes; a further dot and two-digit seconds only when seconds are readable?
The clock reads 7.21
